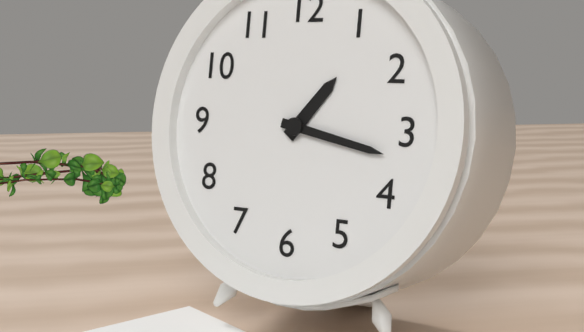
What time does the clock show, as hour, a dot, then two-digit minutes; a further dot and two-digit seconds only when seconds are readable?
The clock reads 1.17
